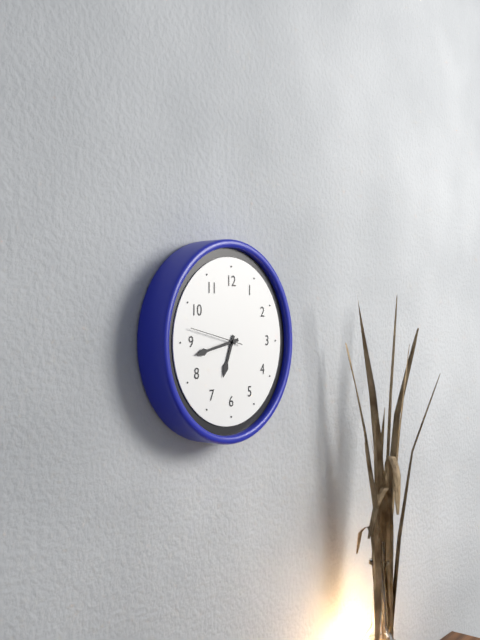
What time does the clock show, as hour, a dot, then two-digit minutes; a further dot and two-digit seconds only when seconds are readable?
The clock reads 6.43.47
